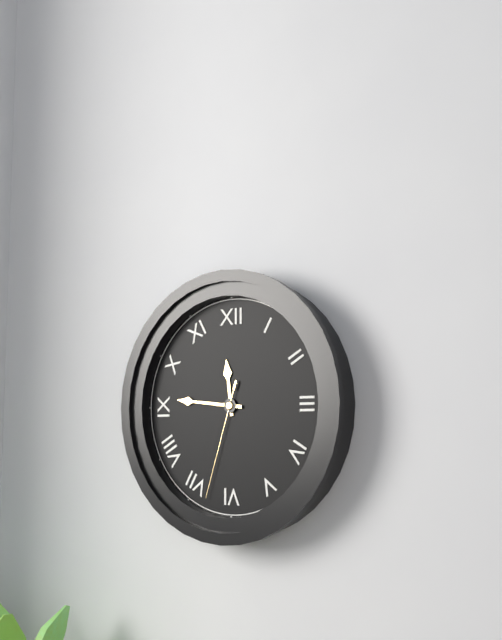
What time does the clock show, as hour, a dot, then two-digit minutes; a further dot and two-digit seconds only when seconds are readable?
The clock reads 11.46.33
